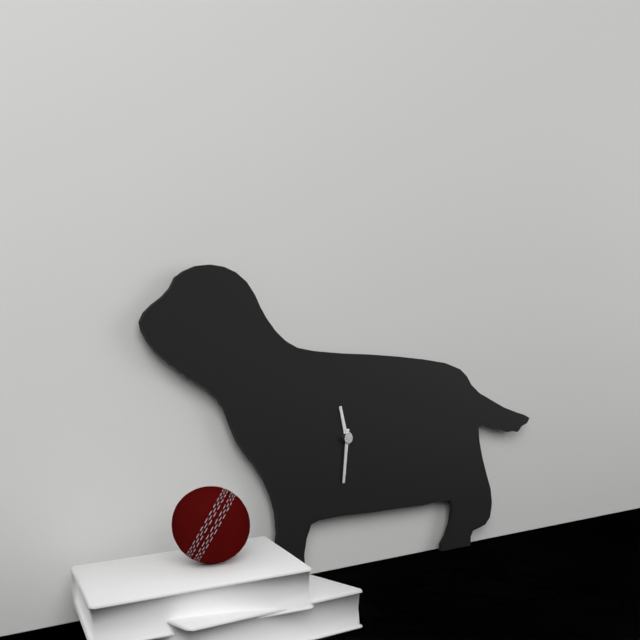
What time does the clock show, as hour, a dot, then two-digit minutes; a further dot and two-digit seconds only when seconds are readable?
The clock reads 11.31
